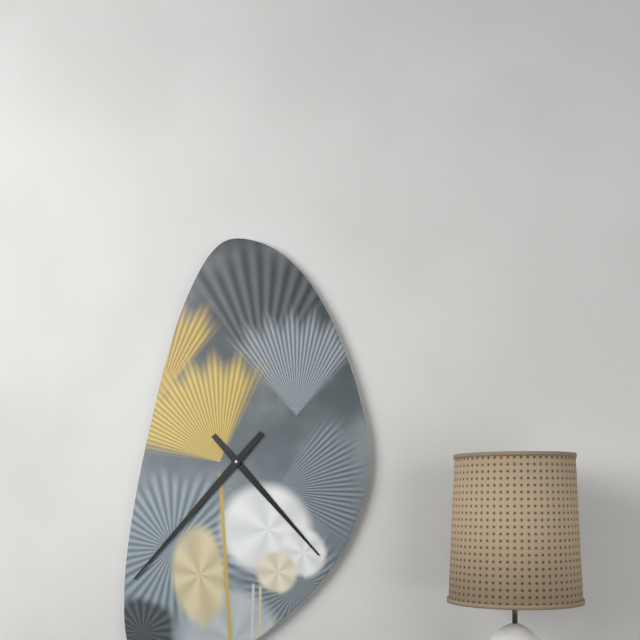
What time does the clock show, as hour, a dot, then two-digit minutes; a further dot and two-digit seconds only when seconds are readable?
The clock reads 4.37
